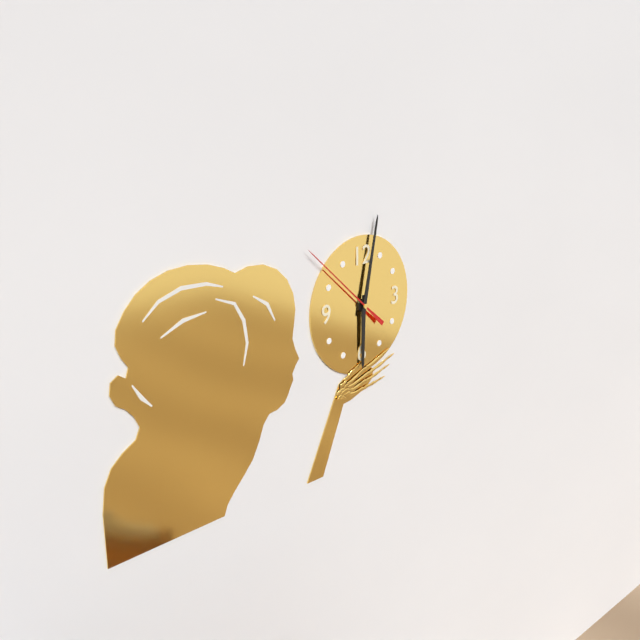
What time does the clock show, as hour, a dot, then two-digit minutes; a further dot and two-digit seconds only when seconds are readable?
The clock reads 6.02.52
